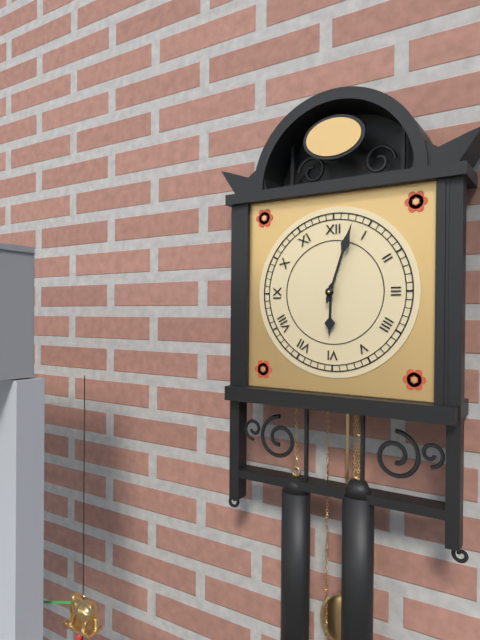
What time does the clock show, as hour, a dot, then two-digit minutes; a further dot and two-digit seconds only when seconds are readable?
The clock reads 6.03
